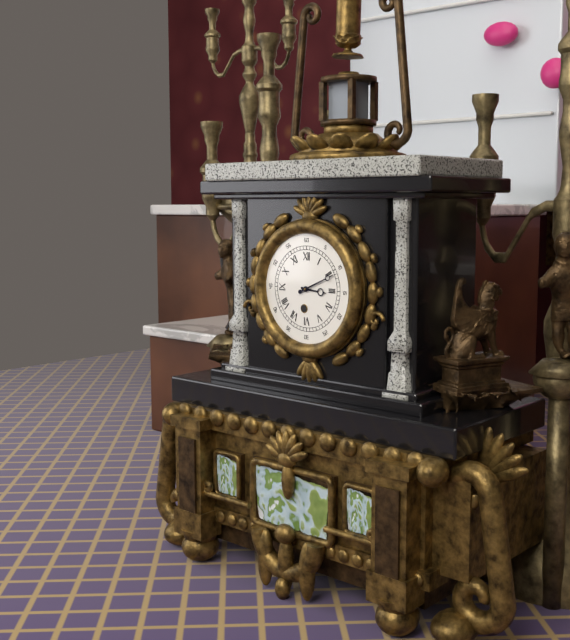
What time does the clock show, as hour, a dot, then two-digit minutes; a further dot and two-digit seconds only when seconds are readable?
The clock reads 3.11
